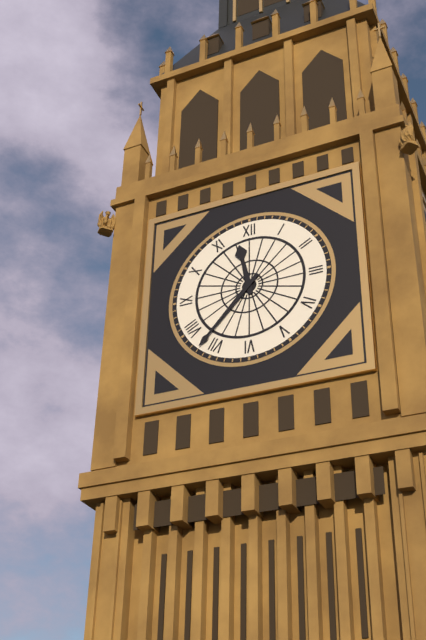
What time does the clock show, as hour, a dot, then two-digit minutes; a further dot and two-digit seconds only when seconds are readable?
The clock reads 11.37
